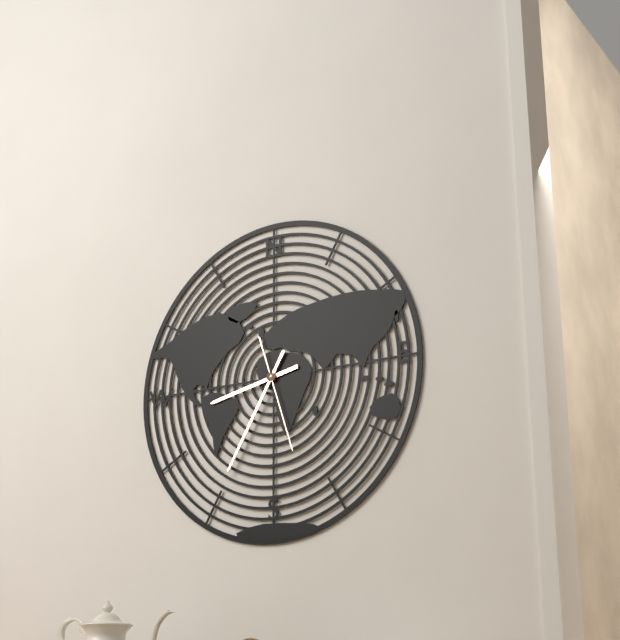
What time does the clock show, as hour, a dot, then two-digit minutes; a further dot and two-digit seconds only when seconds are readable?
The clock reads 8.35.27
